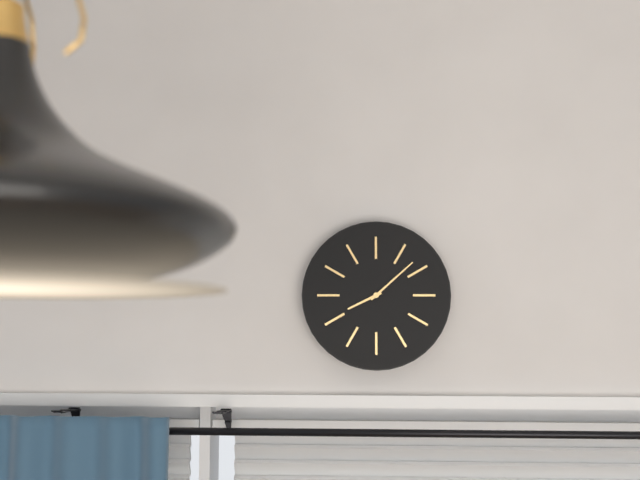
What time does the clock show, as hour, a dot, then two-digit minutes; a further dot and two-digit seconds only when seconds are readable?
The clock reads 8.08
